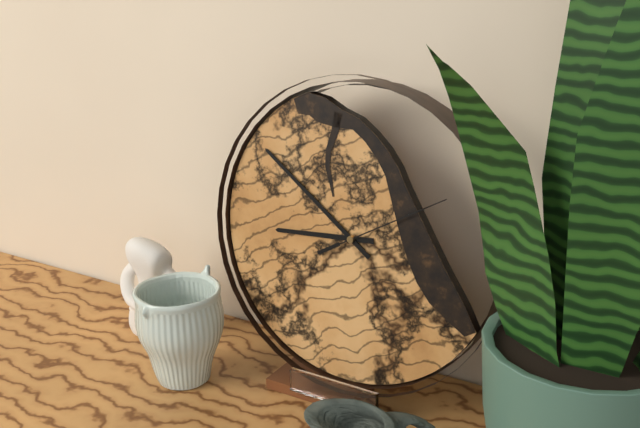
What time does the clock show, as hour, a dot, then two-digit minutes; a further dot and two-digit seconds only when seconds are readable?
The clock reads 8.51.10
